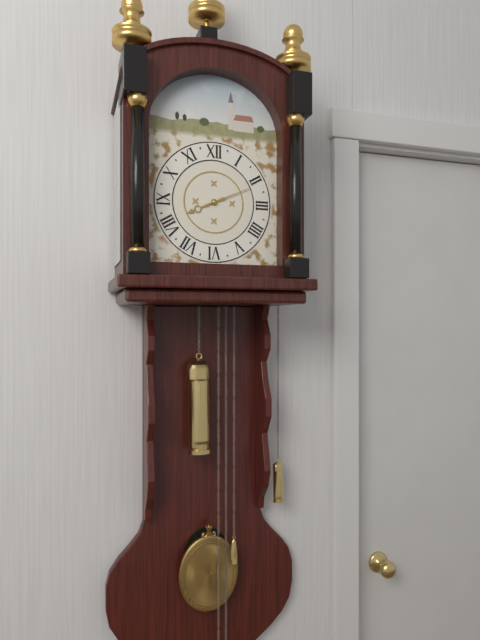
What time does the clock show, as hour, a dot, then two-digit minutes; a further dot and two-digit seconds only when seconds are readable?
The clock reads 8.11
